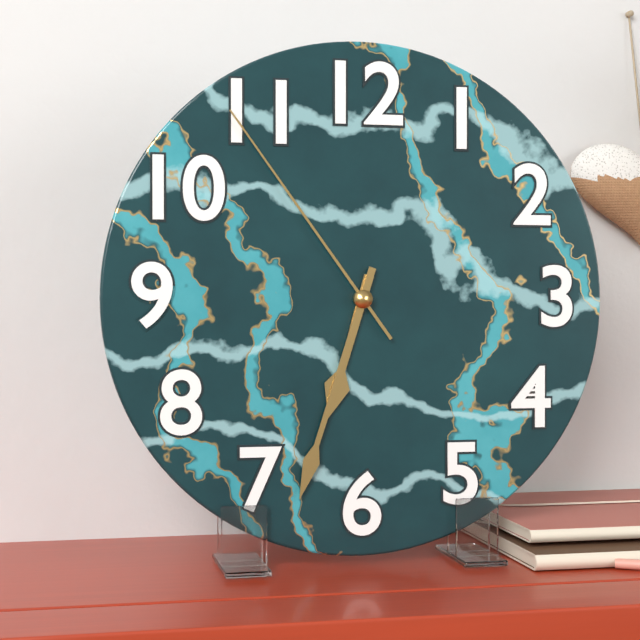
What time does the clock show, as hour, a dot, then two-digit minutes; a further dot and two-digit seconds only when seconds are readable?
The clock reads 6.33.54
